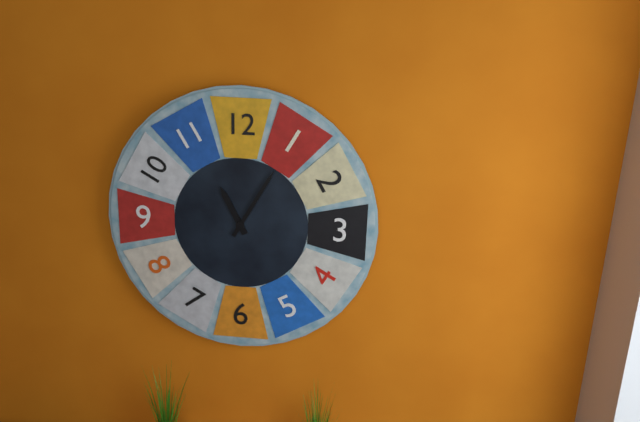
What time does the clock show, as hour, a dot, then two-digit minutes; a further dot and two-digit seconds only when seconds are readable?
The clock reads 11.05
